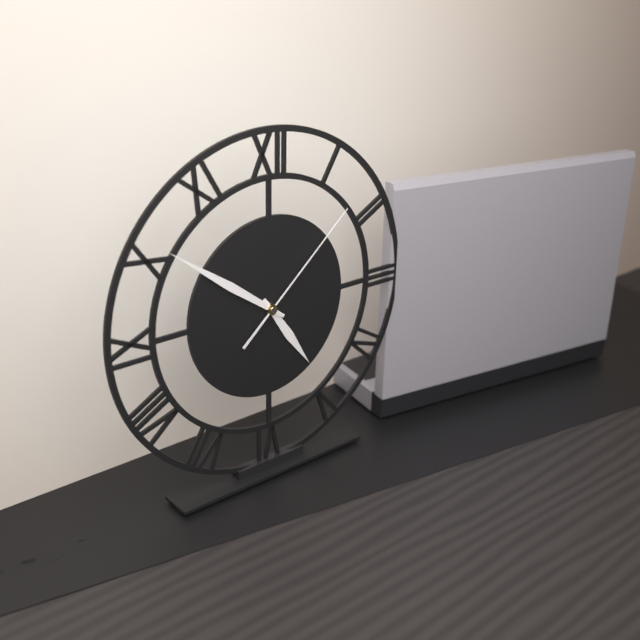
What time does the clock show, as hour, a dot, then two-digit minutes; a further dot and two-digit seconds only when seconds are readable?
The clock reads 4.51.08
